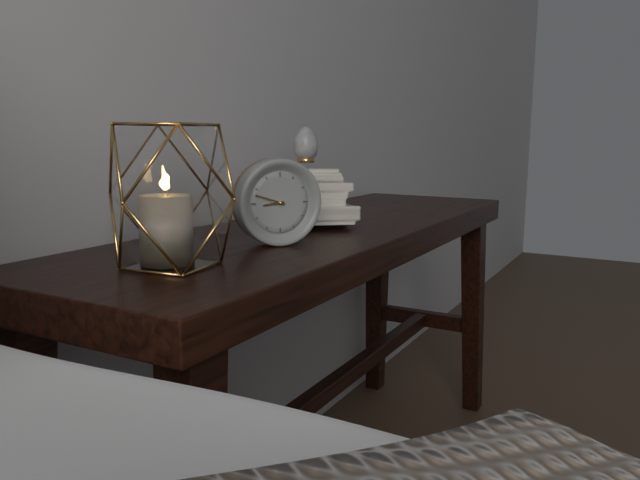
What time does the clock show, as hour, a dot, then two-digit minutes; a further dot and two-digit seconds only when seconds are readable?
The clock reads 8.48
